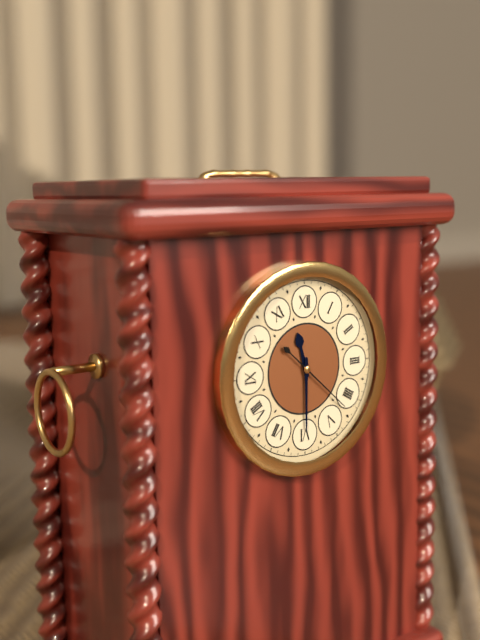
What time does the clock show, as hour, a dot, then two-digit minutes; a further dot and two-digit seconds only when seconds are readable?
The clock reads 11.30.22
